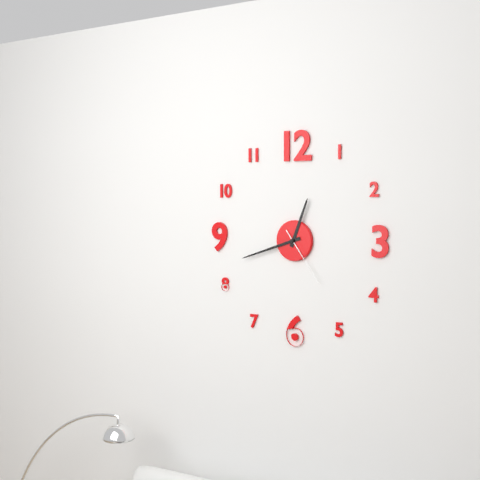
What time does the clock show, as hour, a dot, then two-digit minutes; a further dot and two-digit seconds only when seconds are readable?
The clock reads 12.42.24
